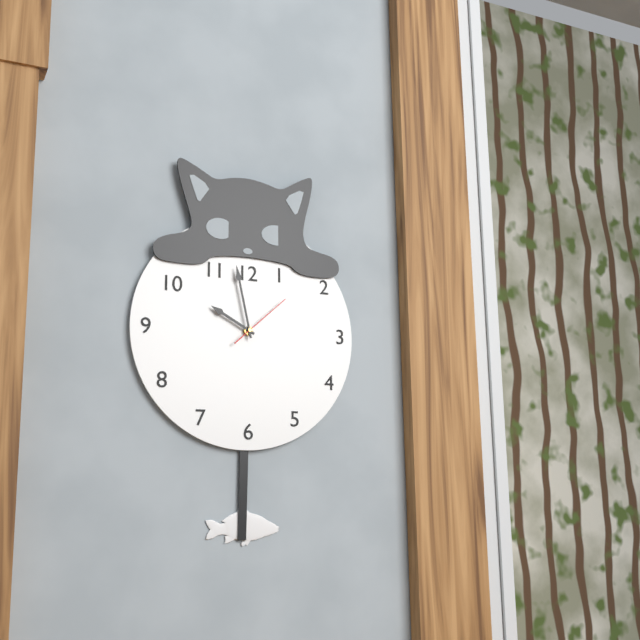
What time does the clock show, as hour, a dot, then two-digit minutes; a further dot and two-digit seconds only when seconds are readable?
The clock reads 9.58.08
